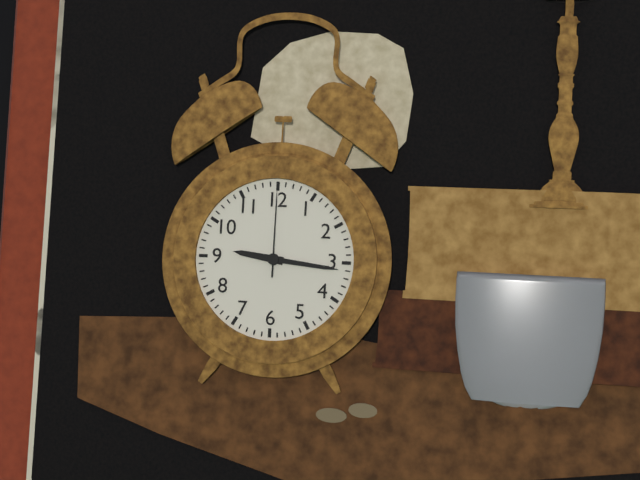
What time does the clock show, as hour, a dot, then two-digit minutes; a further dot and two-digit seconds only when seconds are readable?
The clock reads 9.16.00
